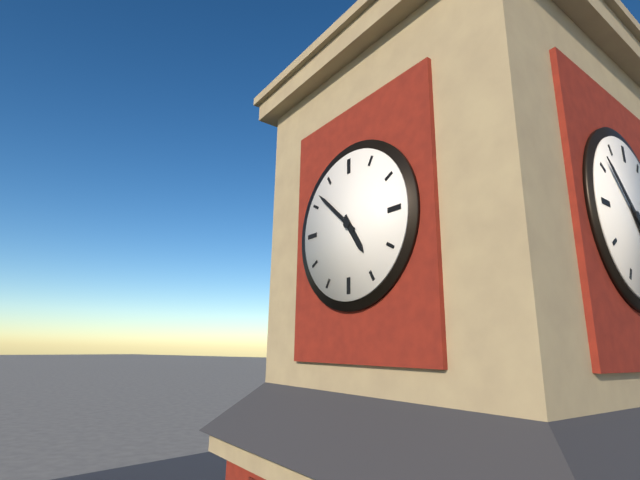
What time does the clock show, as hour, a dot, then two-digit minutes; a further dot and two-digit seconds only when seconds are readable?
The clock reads 4.52
